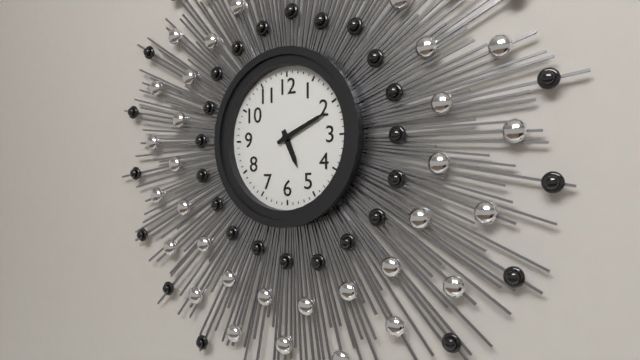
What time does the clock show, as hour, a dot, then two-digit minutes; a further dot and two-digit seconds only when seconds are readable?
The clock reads 5.11
